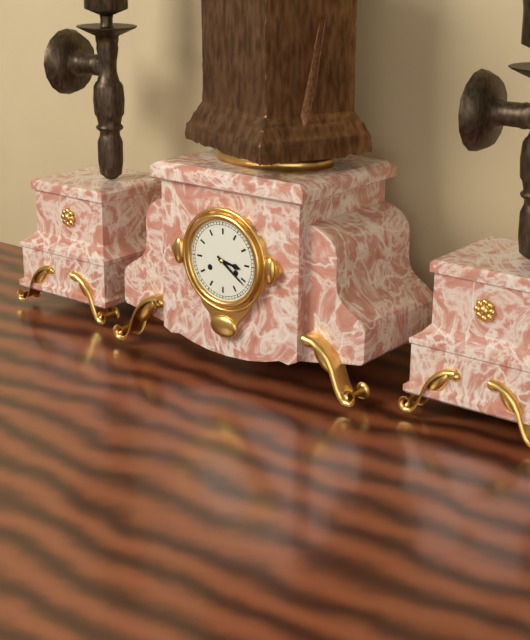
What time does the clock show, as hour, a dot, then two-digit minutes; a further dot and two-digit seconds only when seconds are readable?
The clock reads 3.21
